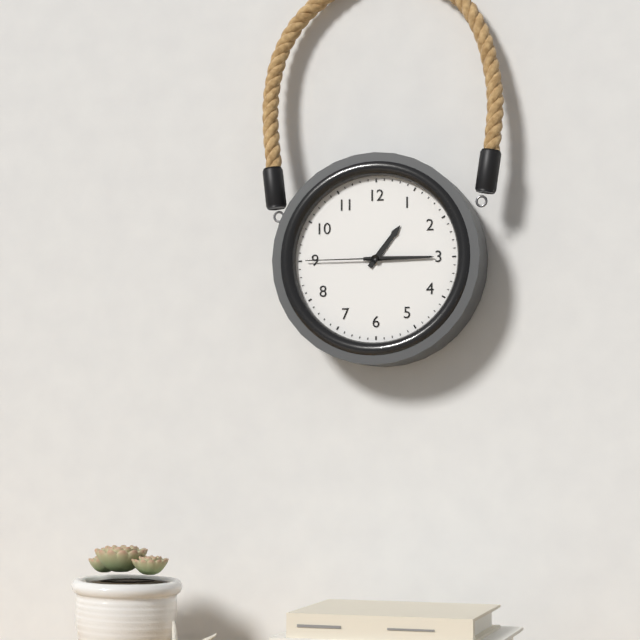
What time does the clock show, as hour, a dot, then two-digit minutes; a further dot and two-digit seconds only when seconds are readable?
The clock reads 1.15.45
